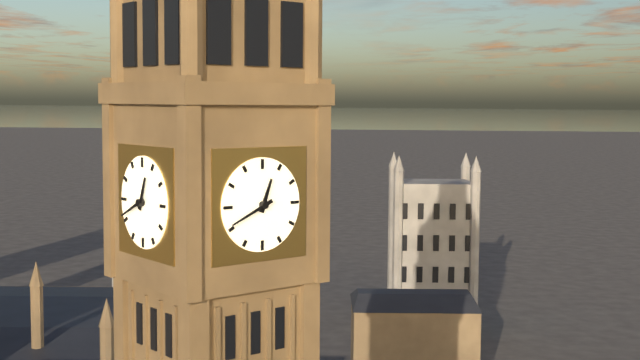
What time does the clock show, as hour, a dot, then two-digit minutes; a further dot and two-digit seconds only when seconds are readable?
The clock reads 12.41
